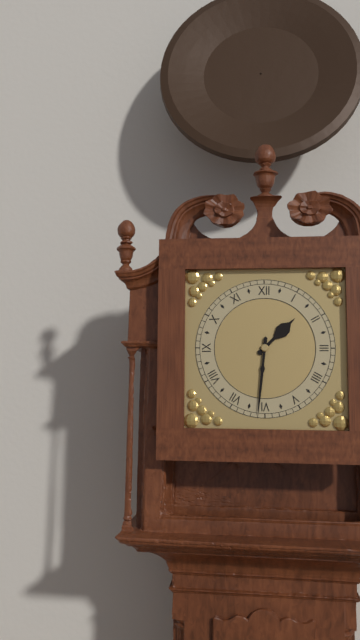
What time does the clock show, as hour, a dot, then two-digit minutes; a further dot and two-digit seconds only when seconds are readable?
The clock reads 1.31
